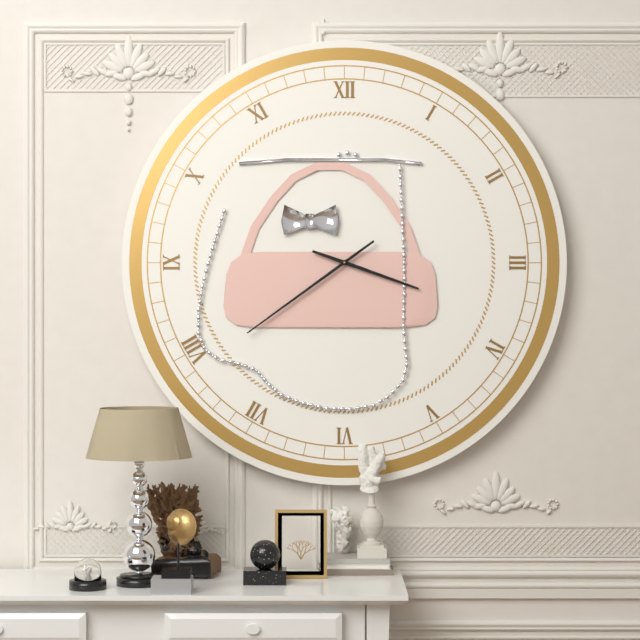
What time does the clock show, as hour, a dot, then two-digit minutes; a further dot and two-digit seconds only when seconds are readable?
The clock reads 3.39
